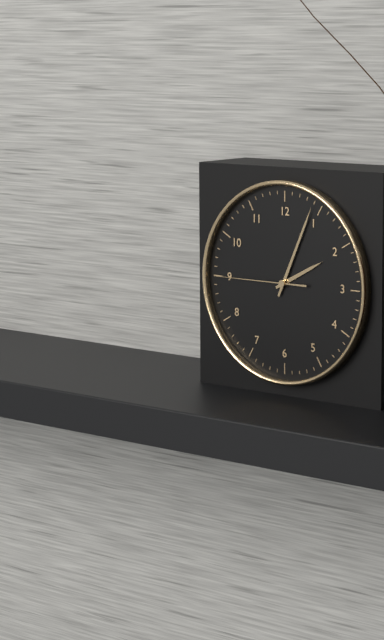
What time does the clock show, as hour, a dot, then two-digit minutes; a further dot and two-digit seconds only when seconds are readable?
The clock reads 2.04.45
